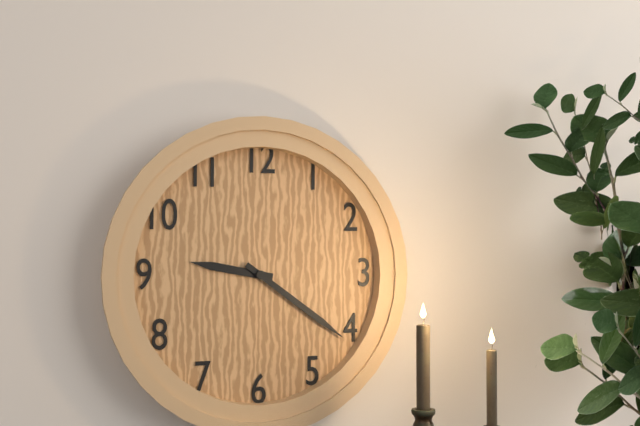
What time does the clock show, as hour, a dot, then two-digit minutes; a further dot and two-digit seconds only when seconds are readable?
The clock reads 9.21
